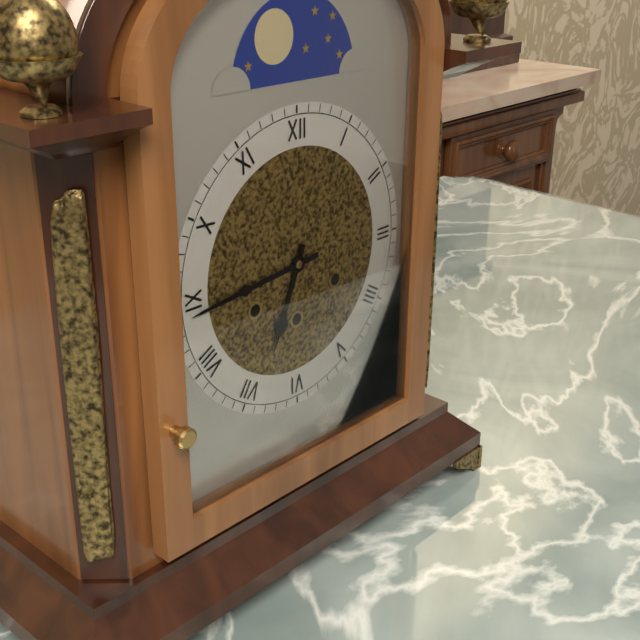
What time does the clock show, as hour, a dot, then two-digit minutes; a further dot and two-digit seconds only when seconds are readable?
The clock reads 6.44
